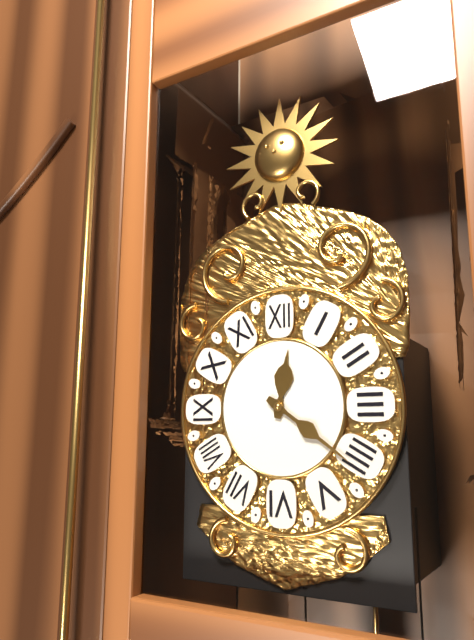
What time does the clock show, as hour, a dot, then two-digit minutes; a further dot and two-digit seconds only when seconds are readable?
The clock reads 12.21
